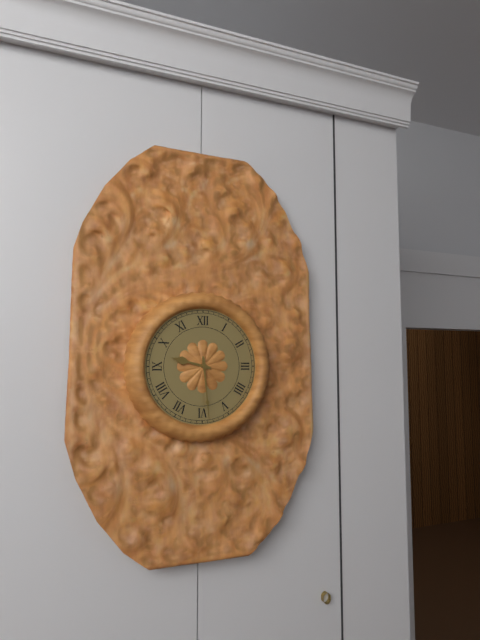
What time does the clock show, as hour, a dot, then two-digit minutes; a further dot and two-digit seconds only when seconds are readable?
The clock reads 9.29
